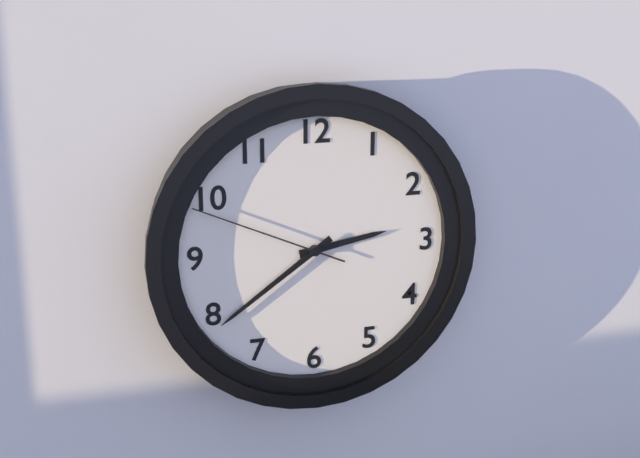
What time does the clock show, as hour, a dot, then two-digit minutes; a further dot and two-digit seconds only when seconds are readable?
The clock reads 2.39.49
